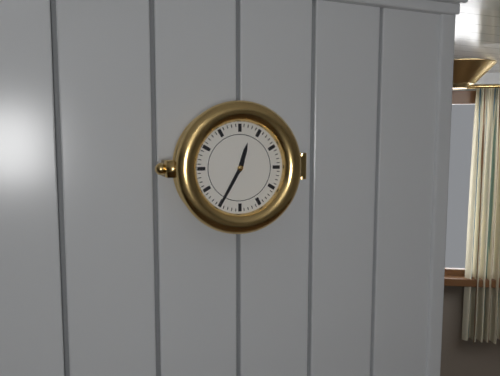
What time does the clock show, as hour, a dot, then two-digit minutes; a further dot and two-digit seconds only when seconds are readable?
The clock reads 12.35
